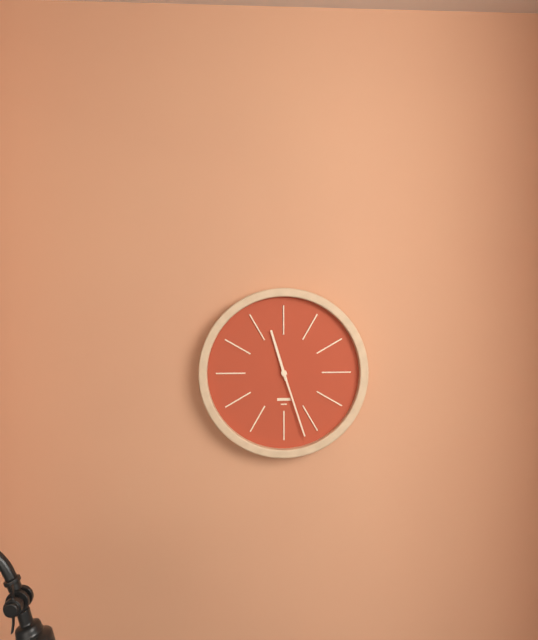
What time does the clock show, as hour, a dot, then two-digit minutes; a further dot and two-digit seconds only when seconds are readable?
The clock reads 11.27
